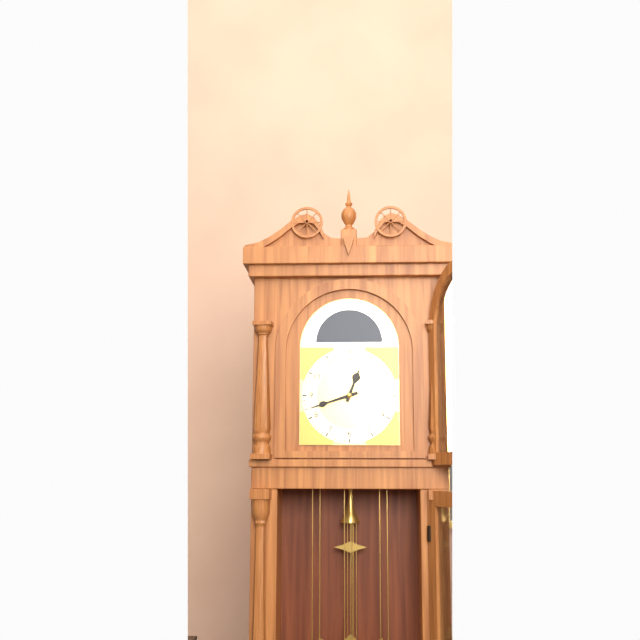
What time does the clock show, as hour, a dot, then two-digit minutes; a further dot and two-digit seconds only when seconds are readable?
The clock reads 12.42
